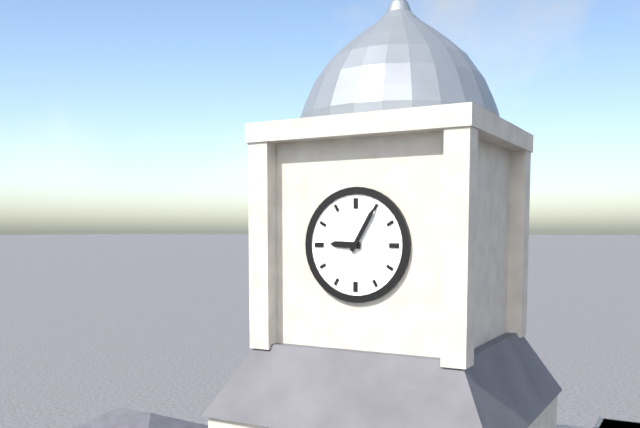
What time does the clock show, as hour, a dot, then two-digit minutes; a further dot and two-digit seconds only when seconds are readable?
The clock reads 9.05
